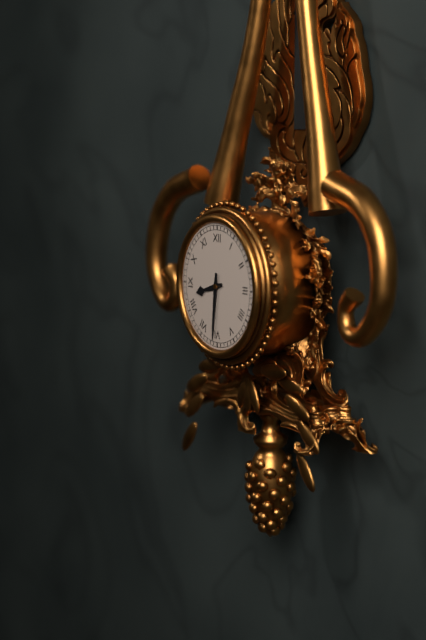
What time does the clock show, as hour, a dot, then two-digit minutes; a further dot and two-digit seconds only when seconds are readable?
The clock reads 8.31
